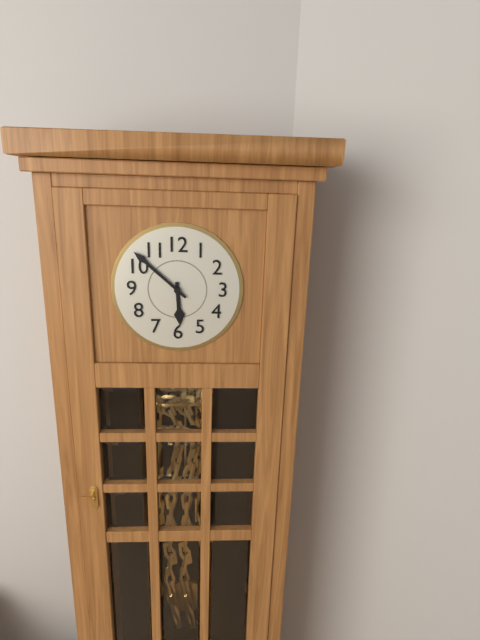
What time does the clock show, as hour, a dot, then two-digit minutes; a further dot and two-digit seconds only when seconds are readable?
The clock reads 5.52
